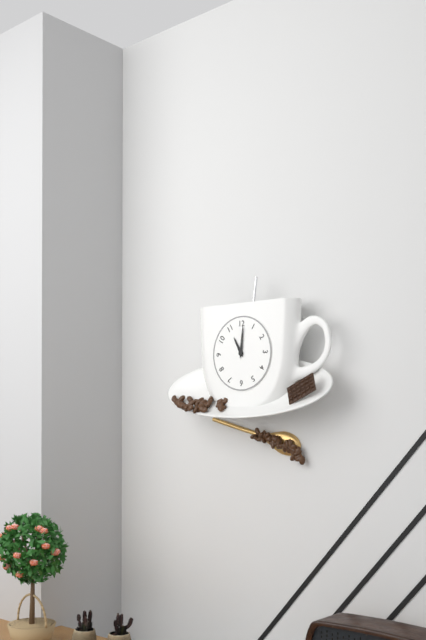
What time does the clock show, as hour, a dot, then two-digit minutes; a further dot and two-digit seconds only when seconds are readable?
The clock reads 11.01
